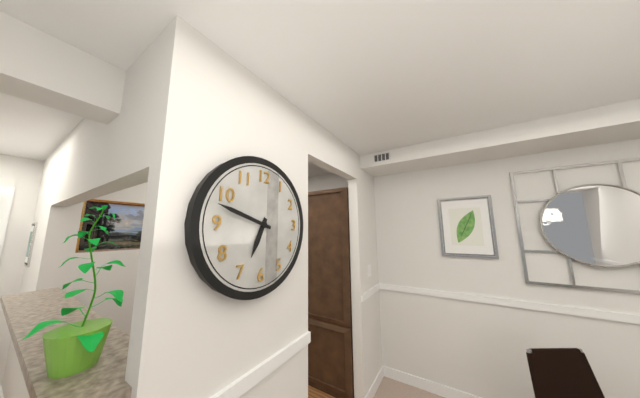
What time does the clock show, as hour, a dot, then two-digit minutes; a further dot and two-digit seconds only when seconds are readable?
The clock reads 6.48
